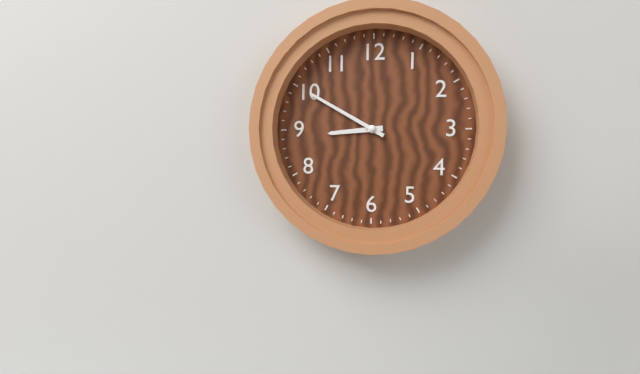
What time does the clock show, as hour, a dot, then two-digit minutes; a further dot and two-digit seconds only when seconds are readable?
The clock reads 8.50
